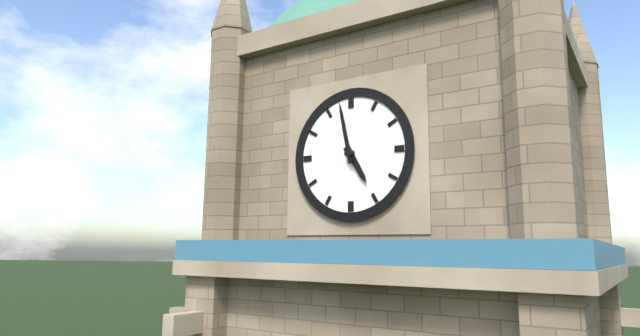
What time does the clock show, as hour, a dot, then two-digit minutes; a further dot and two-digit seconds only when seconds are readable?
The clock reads 4.58
